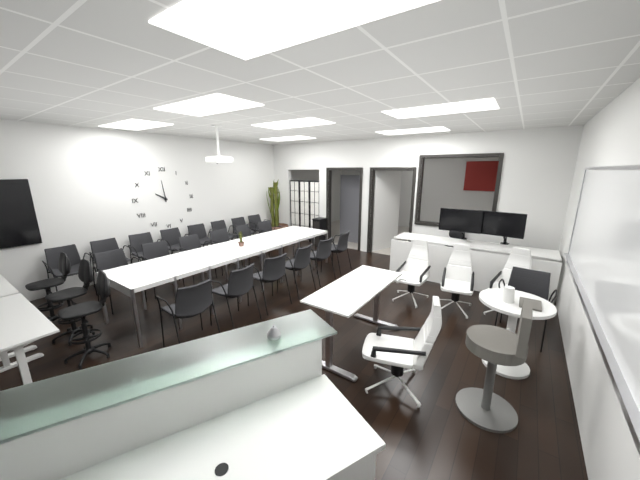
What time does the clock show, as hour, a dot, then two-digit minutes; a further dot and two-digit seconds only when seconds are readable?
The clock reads 9.59
